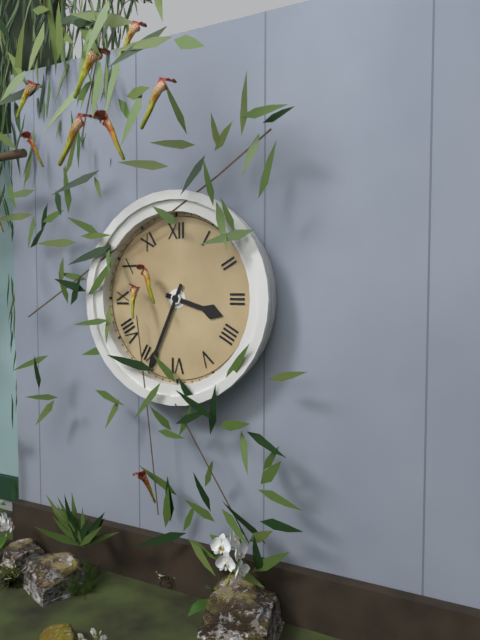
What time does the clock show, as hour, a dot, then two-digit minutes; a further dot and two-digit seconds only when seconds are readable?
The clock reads 3.34
